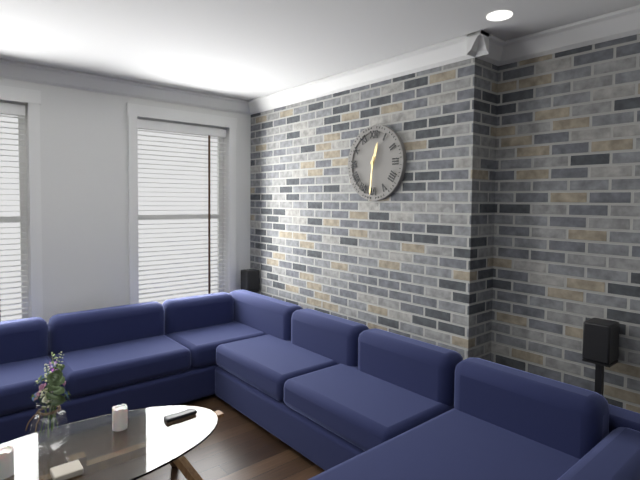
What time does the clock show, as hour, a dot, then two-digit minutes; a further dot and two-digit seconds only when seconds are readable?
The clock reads 12.31
